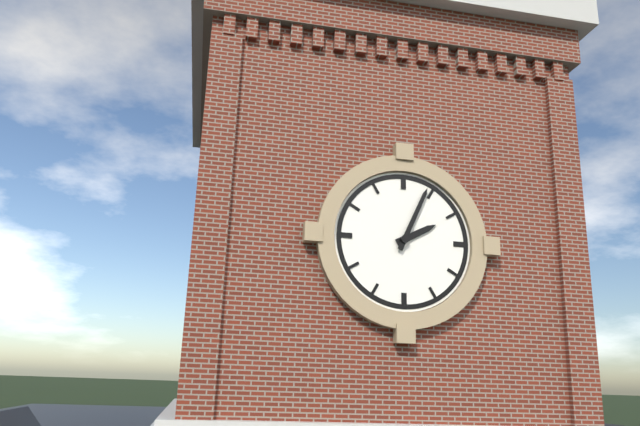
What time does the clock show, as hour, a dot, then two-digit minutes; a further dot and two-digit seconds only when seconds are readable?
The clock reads 2.04
